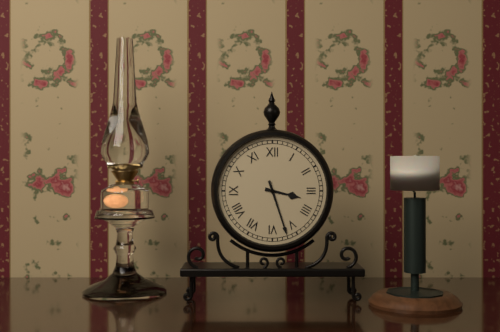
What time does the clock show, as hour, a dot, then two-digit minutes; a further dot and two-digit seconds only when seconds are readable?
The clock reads 3.27
